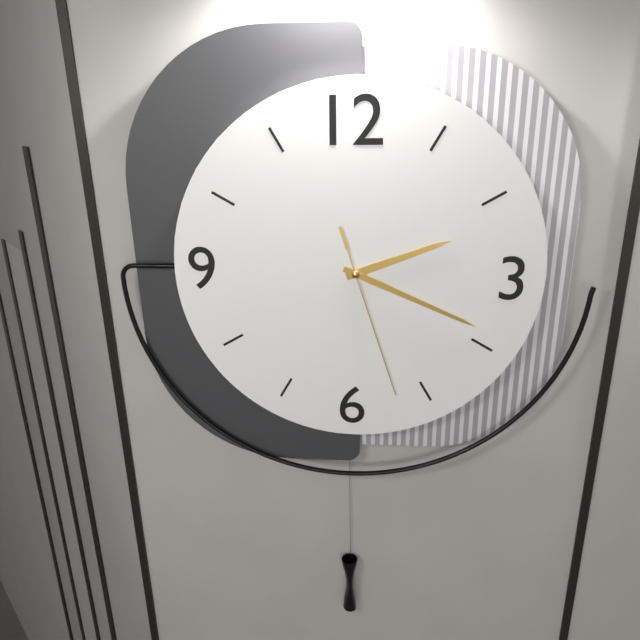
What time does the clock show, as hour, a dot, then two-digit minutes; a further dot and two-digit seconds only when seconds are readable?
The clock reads 2.19.27
